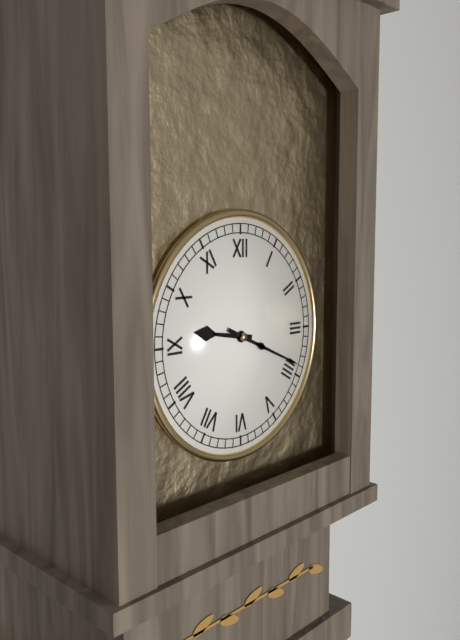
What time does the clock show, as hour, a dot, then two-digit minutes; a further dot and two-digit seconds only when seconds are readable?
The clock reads 9.19
